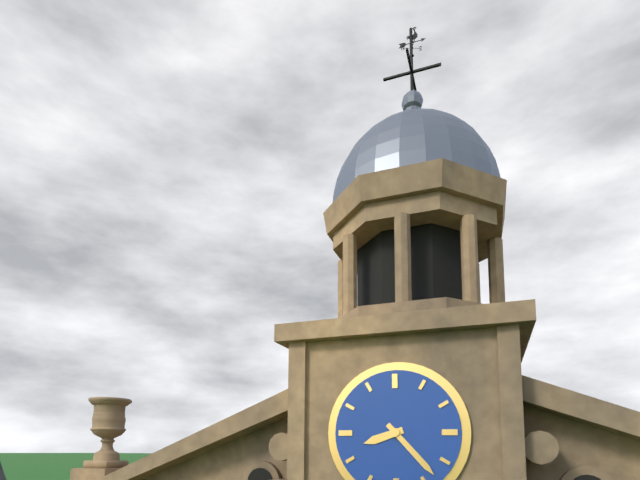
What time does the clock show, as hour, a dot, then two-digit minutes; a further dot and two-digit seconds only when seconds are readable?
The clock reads 8.23
